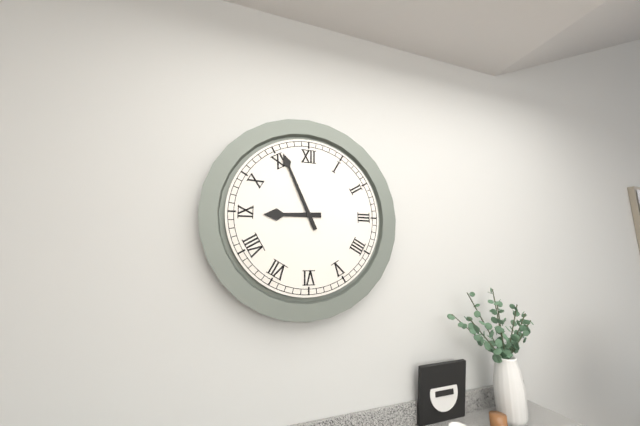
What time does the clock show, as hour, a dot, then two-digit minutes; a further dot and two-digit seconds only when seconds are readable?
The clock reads 8.56
